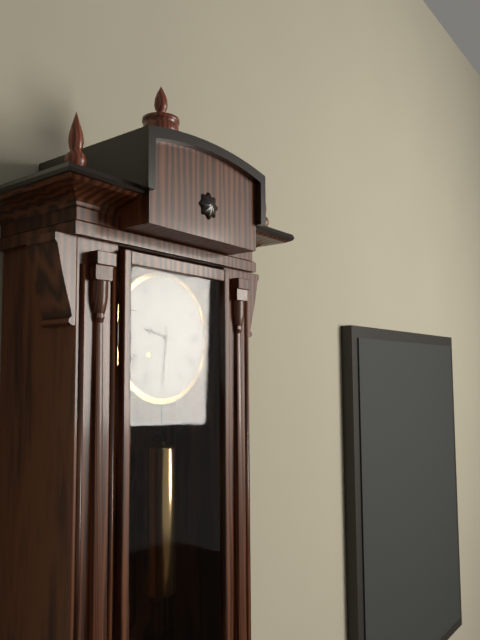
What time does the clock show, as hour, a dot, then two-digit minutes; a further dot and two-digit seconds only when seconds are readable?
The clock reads 9.31
